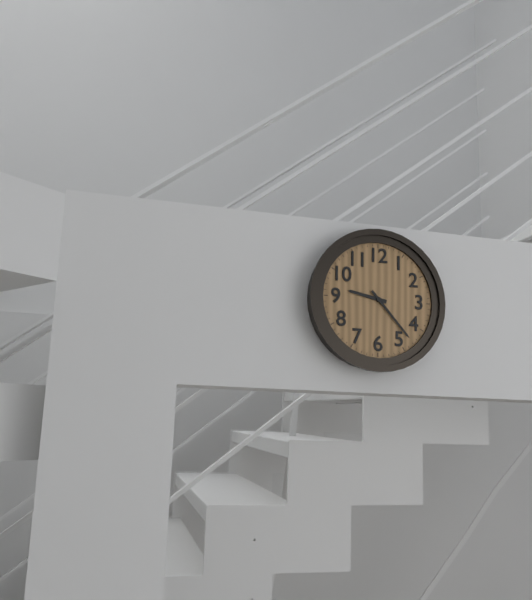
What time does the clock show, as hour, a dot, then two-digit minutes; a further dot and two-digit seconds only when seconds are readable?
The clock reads 9.23
